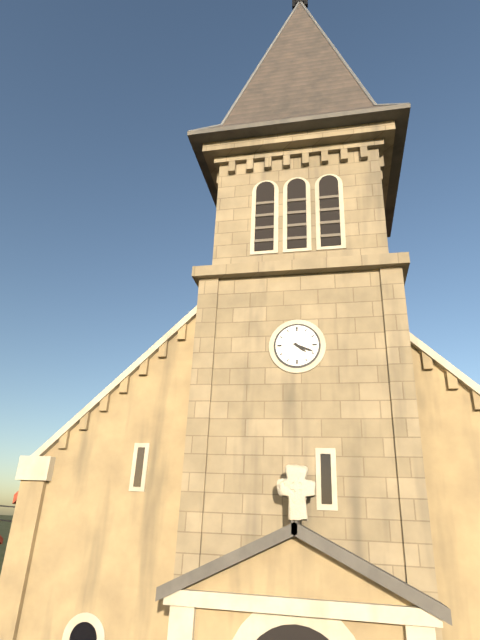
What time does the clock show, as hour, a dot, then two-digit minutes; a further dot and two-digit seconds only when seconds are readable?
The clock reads 4.19
